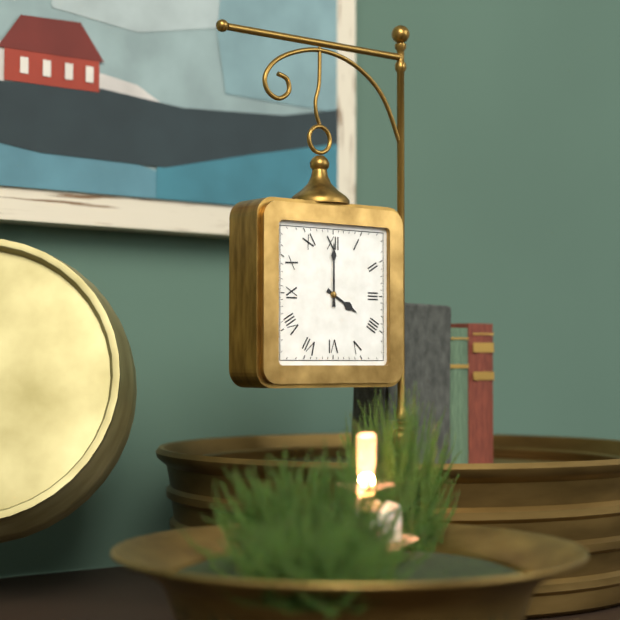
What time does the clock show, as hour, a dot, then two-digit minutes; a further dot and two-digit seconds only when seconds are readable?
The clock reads 4.00
